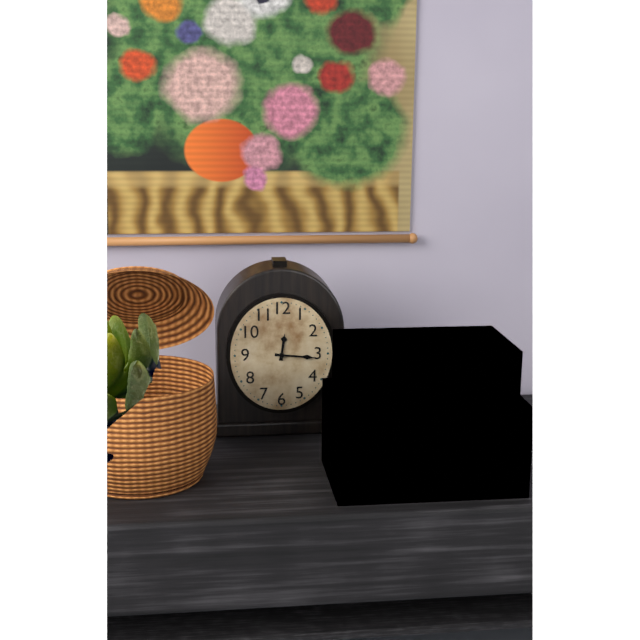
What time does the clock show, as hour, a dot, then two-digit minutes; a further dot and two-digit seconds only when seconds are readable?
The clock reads 12.16
